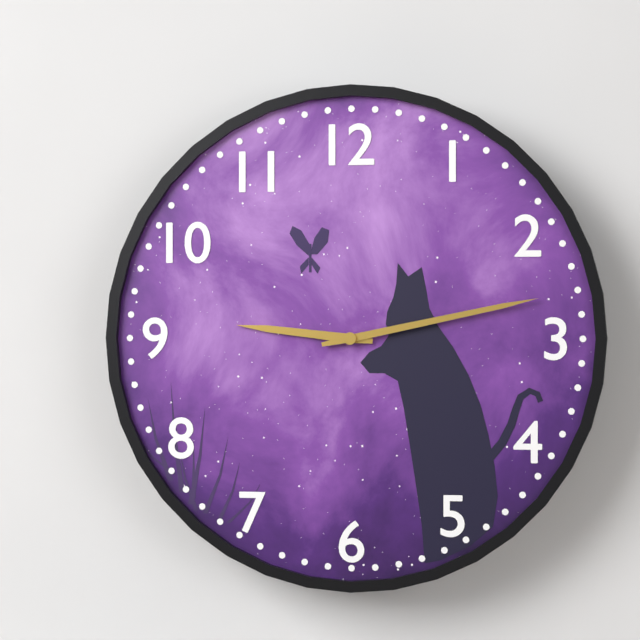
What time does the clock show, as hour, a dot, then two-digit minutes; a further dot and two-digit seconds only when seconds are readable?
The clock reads 9.13
